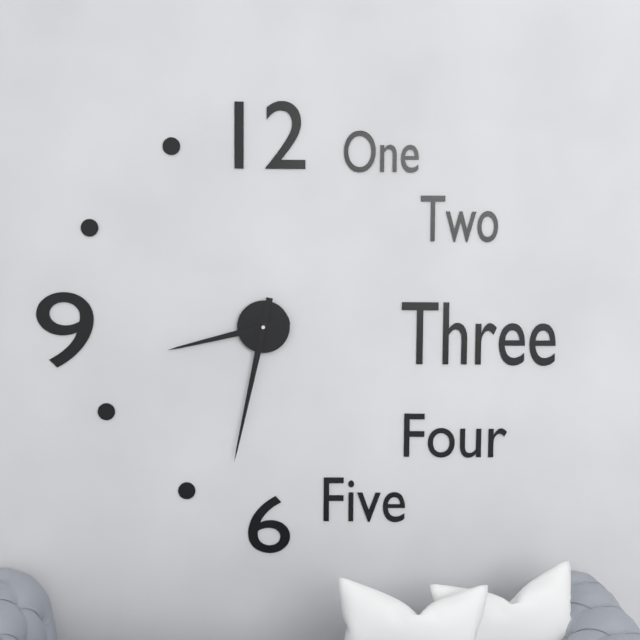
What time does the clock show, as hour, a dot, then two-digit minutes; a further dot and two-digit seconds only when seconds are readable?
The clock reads 8.32
